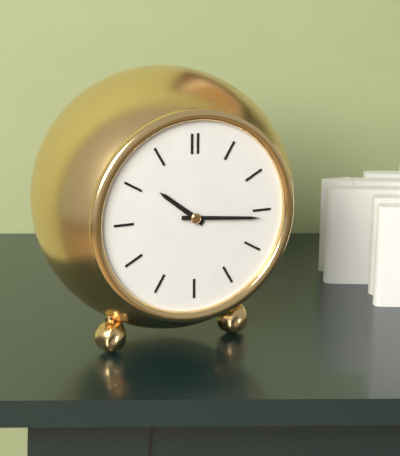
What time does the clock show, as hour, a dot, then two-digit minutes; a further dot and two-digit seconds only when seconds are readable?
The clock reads 10.16
